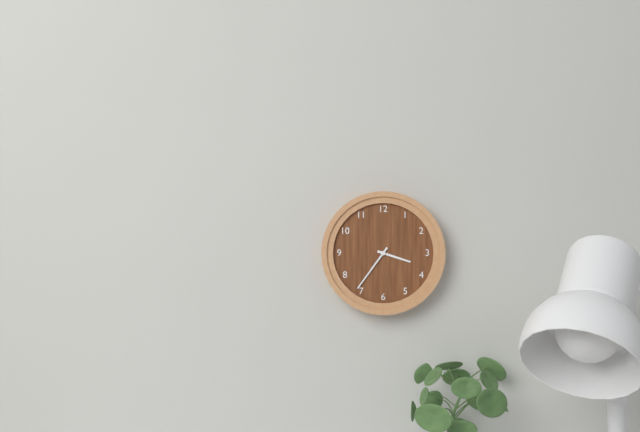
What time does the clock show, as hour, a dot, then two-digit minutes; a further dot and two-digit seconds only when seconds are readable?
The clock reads 3.36
